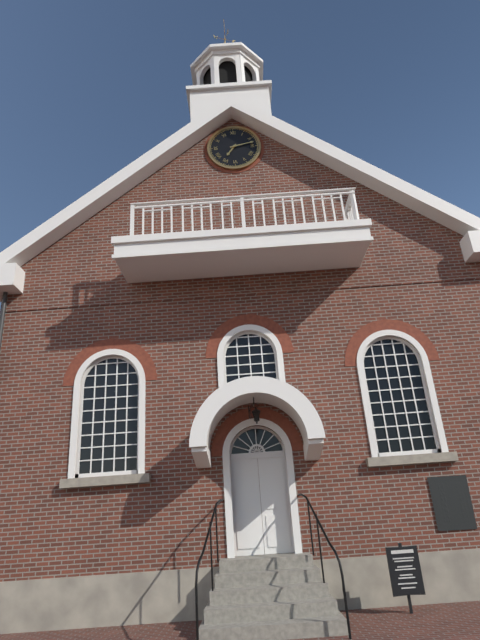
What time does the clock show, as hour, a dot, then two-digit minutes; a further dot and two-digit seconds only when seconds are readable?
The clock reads 7.13
